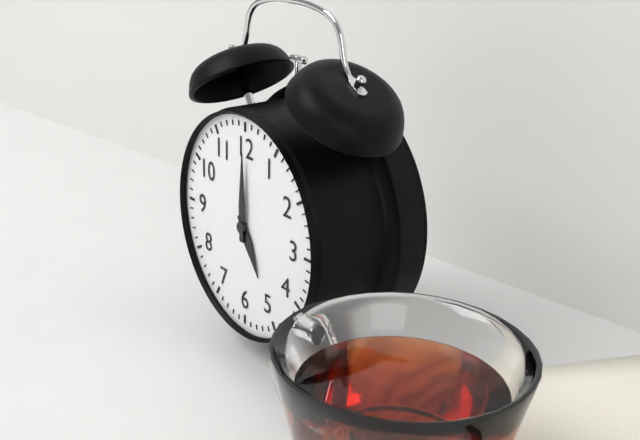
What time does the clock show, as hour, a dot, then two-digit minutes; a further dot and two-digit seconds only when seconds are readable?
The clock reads 5.00
